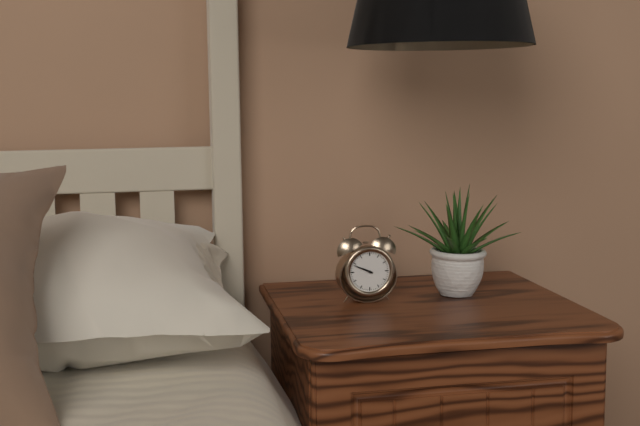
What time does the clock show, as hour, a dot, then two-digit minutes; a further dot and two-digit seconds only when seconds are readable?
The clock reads 9.49
